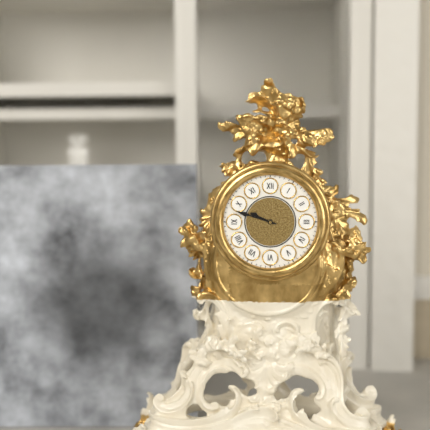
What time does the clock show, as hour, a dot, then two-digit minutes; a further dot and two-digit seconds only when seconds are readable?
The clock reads 9.48
